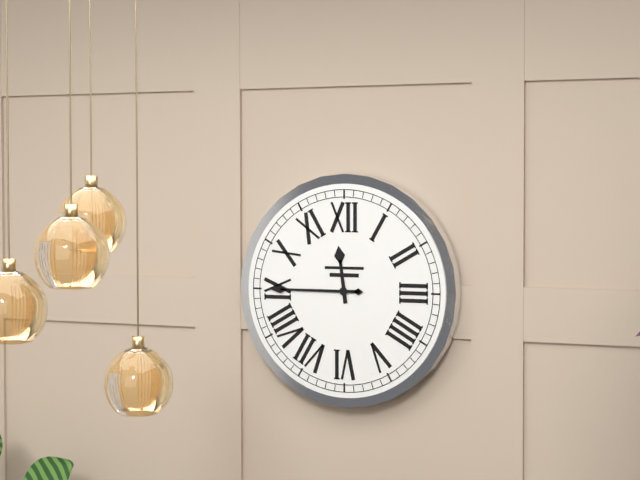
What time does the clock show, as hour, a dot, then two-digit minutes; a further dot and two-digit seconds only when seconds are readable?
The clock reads 11.45
